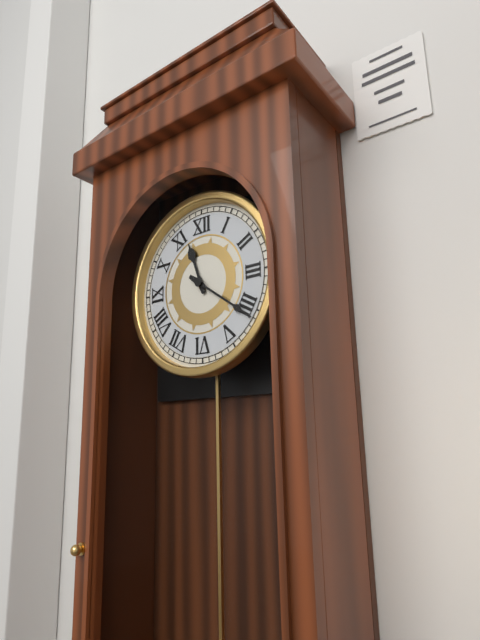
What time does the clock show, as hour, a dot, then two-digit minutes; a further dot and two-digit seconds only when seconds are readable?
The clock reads 11.21
